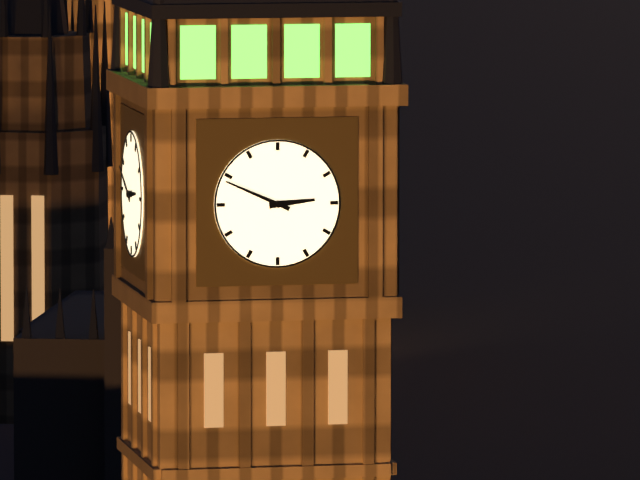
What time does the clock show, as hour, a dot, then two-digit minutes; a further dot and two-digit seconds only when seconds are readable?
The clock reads 2.49
